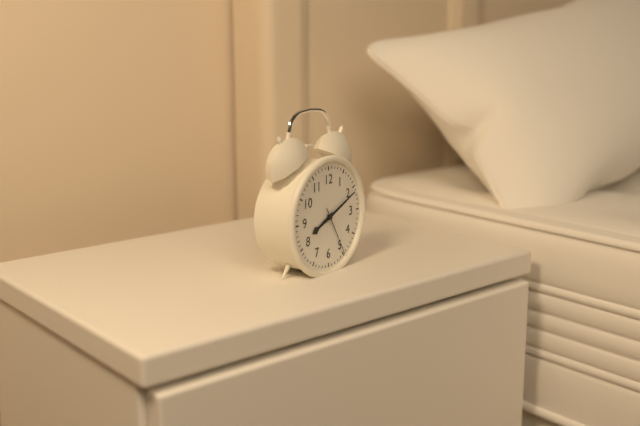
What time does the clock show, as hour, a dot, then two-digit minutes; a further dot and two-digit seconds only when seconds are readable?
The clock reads 8.11.25
